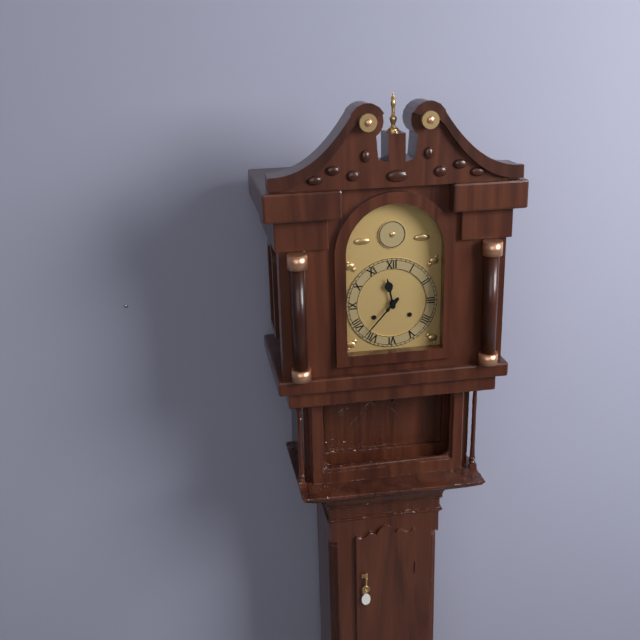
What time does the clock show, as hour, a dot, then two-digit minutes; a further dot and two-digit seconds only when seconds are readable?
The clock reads 11.37
